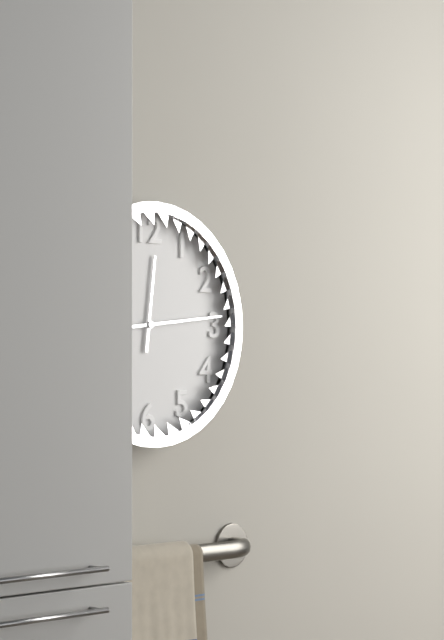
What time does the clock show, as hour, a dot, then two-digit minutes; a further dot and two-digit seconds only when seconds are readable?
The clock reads 12.14
